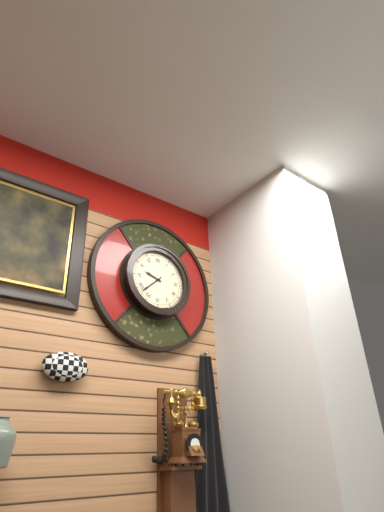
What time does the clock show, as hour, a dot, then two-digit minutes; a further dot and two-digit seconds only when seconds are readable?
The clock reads 9.38
